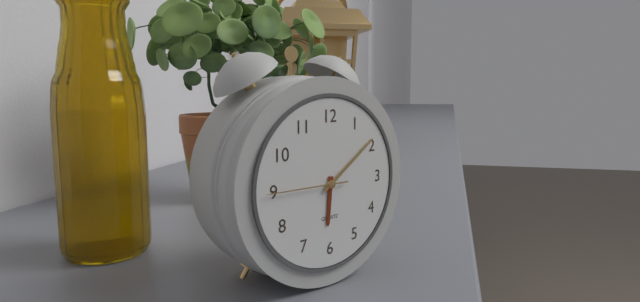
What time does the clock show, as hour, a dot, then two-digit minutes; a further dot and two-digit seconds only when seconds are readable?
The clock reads 6.09.45
